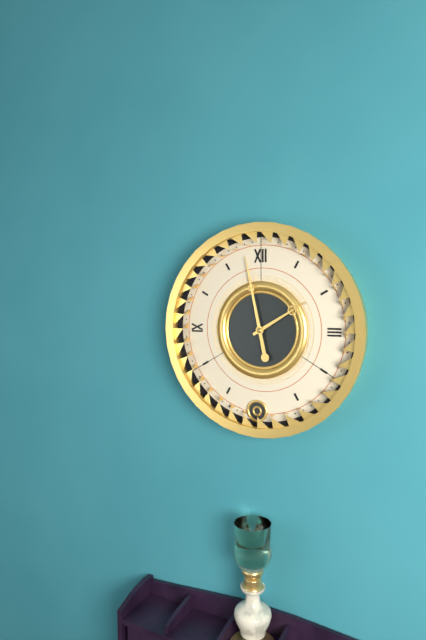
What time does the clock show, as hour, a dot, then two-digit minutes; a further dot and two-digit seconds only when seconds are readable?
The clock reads 1.58
